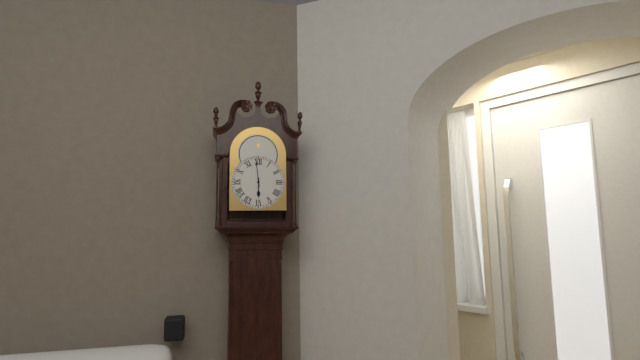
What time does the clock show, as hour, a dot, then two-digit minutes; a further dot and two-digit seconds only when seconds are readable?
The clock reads 5.59
